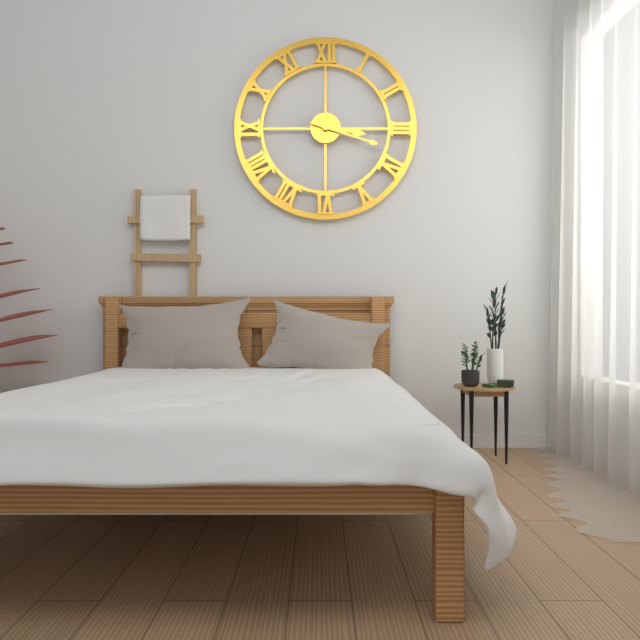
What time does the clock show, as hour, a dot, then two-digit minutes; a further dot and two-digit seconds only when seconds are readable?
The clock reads 3.18
